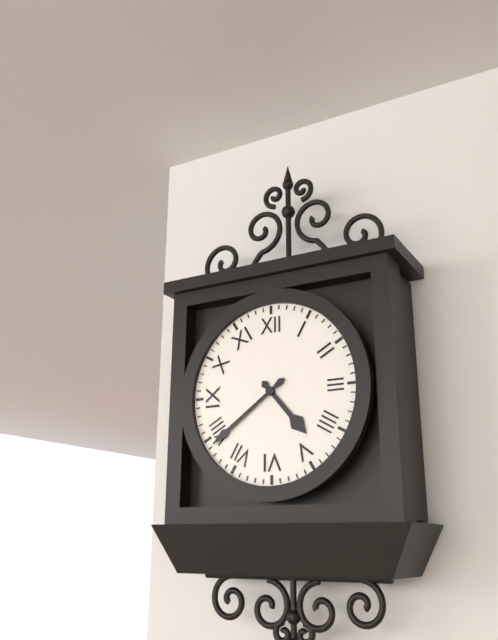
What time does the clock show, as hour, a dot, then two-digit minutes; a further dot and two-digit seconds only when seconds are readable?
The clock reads 4.39
